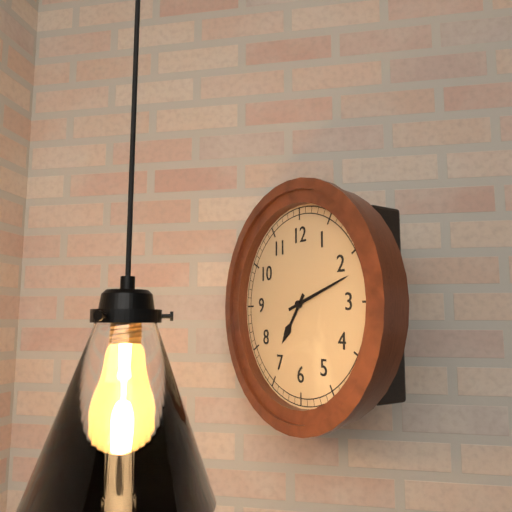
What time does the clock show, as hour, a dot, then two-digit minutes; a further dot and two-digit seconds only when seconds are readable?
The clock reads 7.12
